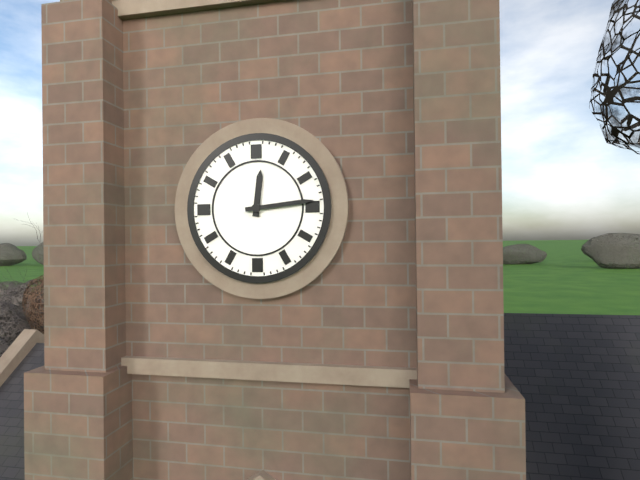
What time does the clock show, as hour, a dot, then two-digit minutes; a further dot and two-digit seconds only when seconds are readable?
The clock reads 12.14
